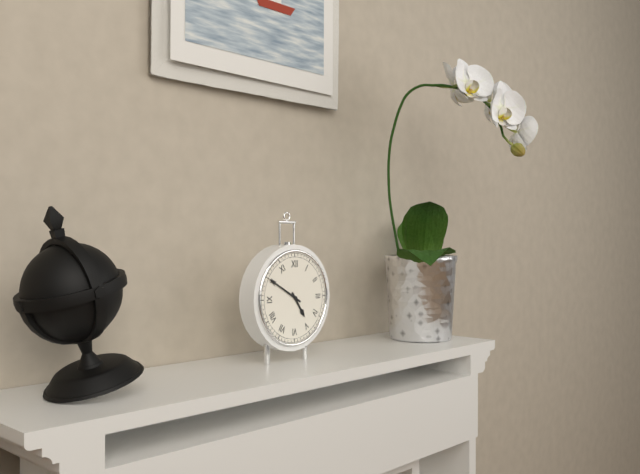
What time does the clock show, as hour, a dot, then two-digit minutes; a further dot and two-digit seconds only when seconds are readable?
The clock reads 4.50
